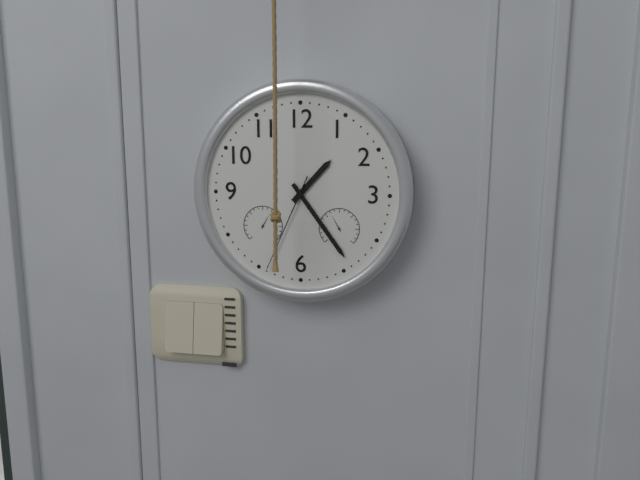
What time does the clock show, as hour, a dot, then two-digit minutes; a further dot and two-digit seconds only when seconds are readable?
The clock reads 1.24.34
